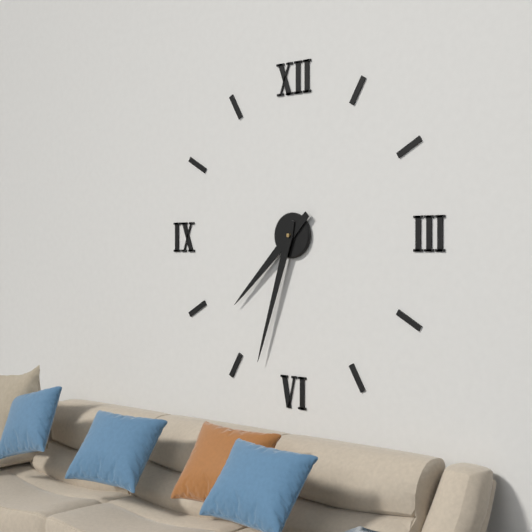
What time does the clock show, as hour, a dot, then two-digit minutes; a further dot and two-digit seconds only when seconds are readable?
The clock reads 7.33
